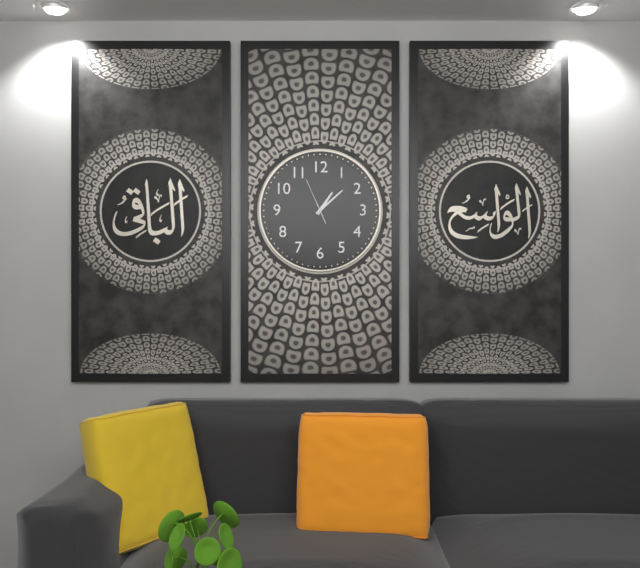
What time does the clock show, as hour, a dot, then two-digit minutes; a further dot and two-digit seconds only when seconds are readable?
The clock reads 1.08
